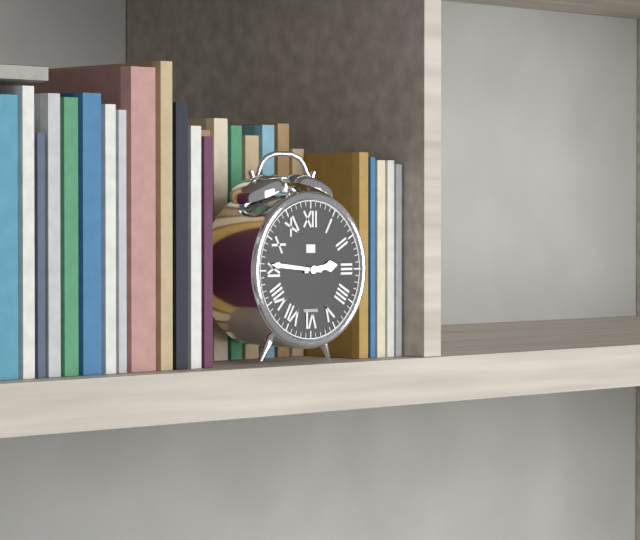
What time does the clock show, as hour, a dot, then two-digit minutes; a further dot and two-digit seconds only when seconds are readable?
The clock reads 2.46
